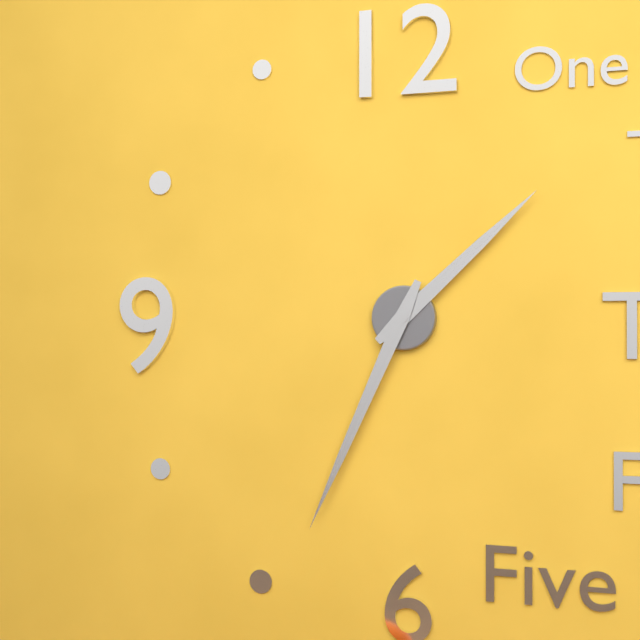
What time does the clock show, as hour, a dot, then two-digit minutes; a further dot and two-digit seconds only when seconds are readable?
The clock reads 1.34
